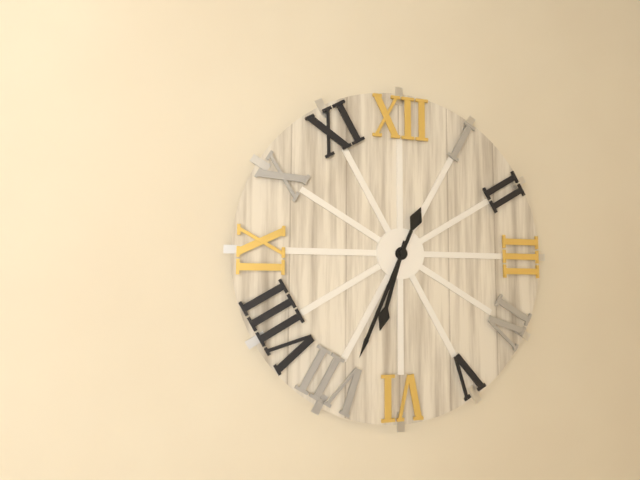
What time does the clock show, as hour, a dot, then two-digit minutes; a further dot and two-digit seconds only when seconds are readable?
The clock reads 6.34
